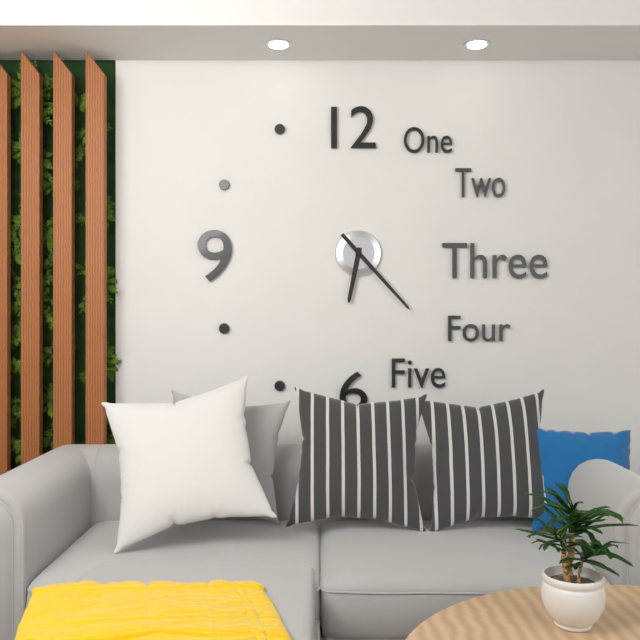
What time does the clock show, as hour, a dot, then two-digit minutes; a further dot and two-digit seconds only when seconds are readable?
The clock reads 6.23
